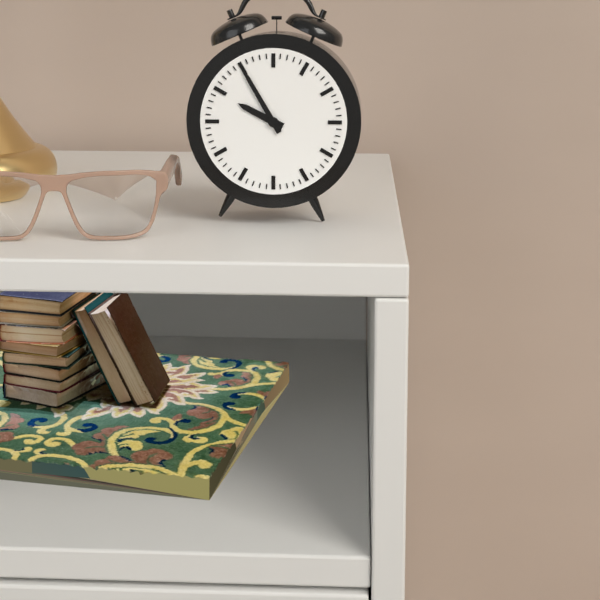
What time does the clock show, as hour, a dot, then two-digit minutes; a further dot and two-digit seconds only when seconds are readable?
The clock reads 9.55
